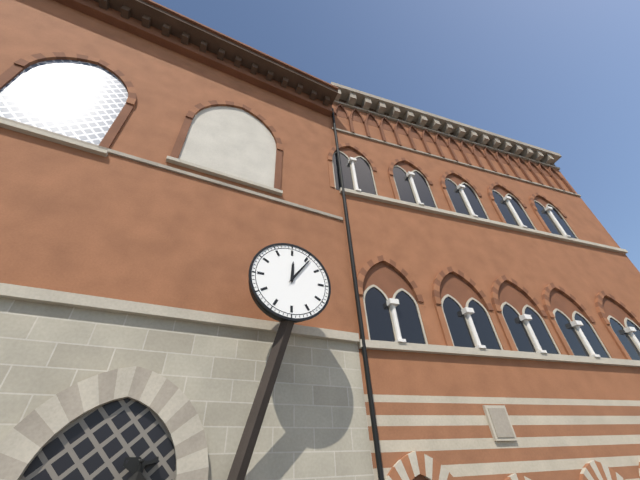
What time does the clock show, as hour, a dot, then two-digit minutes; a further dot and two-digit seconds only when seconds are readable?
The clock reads 12.06
